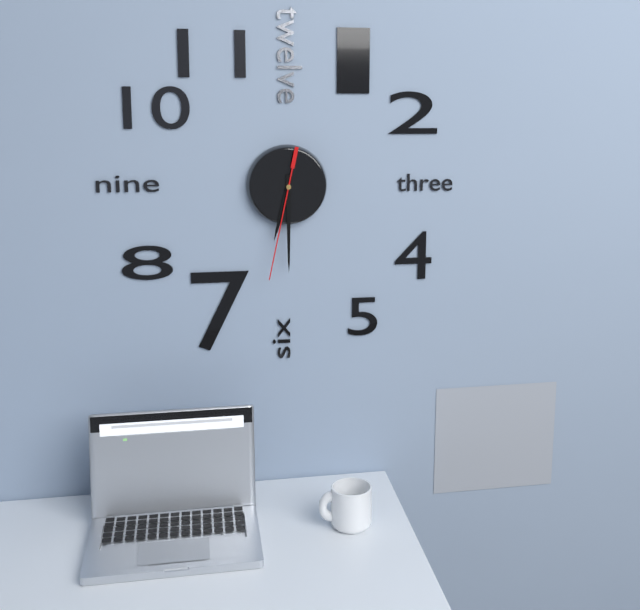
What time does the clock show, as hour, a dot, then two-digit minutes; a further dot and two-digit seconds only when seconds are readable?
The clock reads 6.30.32
